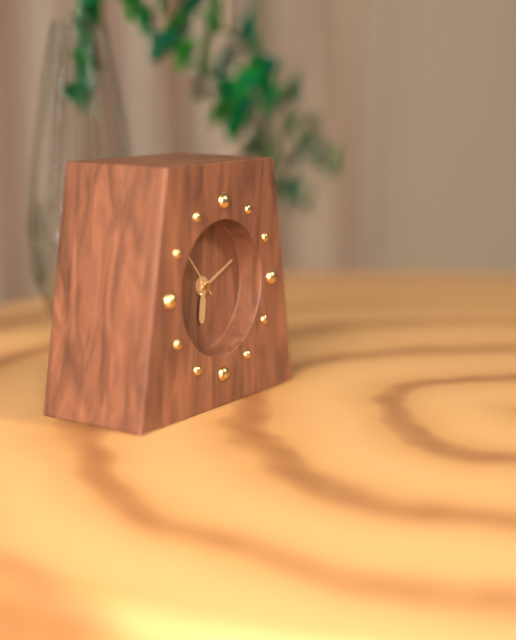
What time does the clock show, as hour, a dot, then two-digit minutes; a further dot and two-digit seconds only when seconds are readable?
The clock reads 6.11
